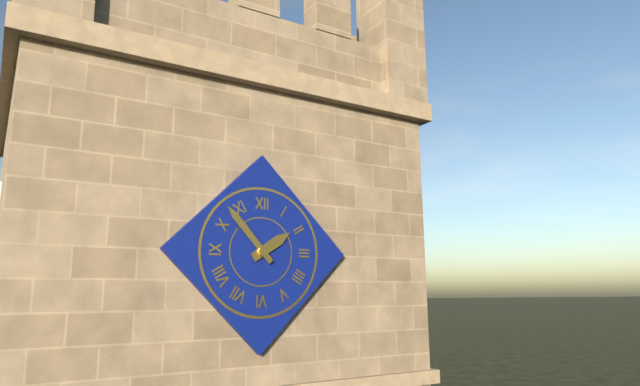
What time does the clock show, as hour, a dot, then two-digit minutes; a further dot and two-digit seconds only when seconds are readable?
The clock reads 1.53
